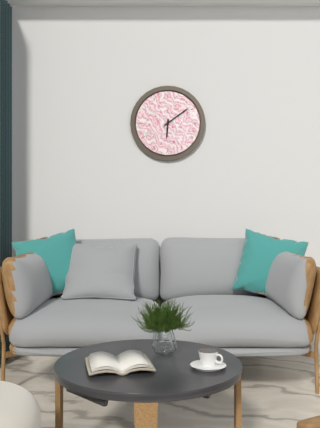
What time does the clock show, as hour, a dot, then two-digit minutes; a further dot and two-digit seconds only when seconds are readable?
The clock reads 6.09
